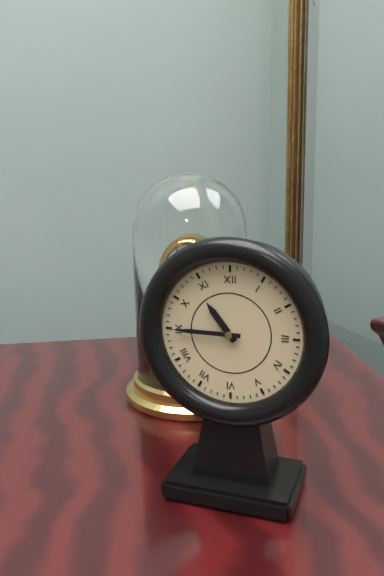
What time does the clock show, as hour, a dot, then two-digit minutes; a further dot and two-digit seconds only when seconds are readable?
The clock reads 10.45
